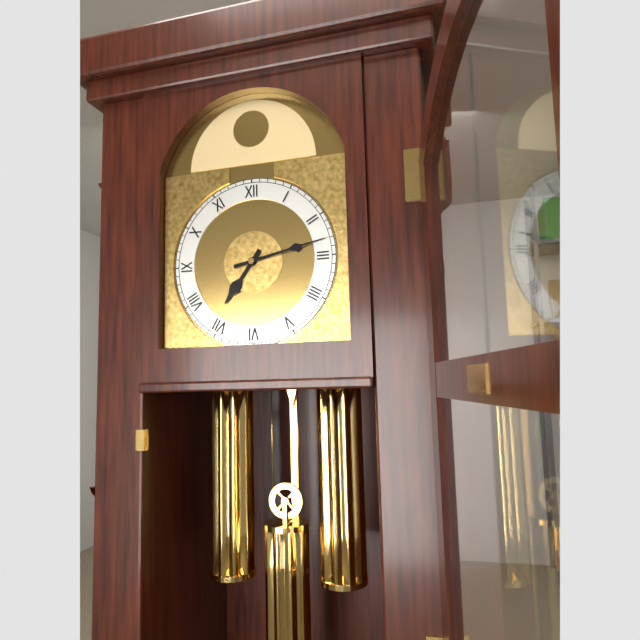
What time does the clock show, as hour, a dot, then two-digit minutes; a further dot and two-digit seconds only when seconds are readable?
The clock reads 7.13
